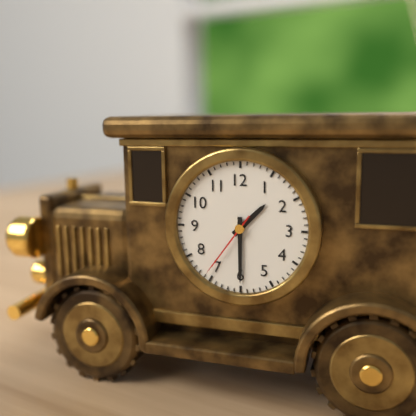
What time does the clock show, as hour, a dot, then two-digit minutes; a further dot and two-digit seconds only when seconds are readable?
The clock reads 1.30.36
